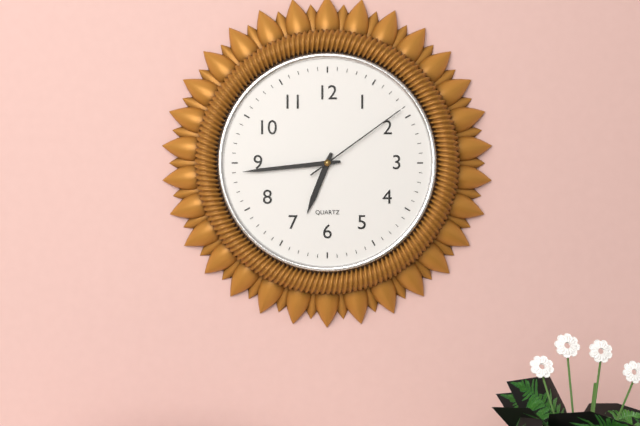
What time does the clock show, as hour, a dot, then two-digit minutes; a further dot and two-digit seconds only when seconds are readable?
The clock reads 6.44.09
